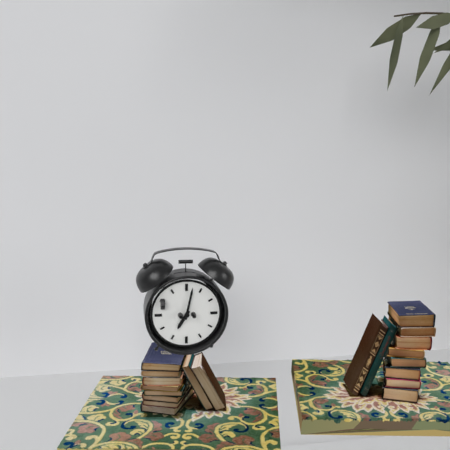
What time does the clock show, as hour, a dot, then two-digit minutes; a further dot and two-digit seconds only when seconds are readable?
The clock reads 7.02
